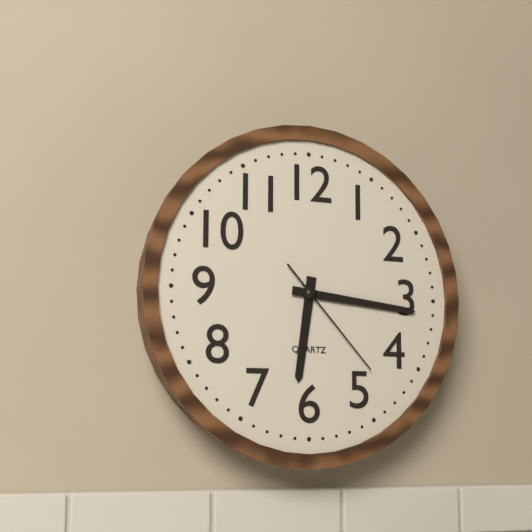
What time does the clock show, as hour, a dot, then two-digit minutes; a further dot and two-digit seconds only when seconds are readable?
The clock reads 6.16.23
